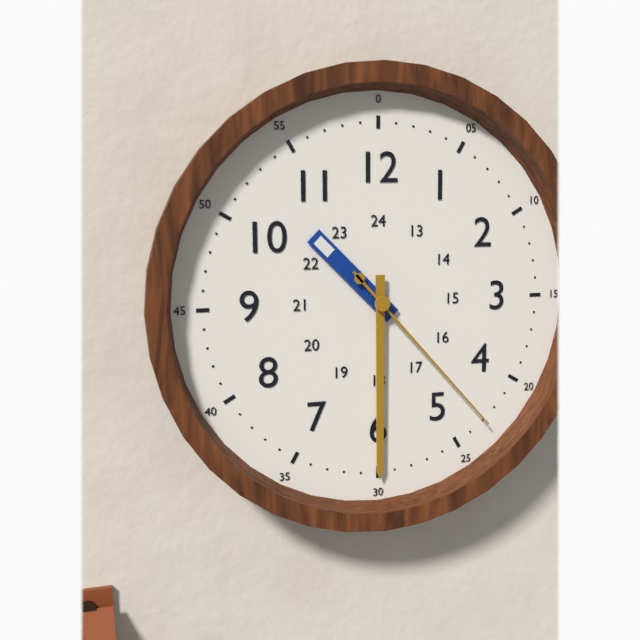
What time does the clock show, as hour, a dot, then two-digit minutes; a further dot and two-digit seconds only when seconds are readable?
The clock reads 10.30.23
